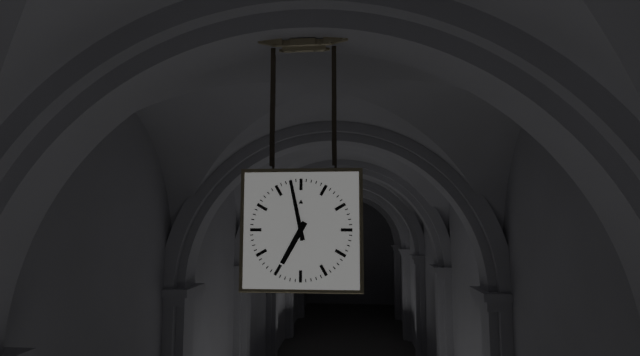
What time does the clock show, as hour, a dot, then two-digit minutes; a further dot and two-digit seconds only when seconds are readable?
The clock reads 6.58
